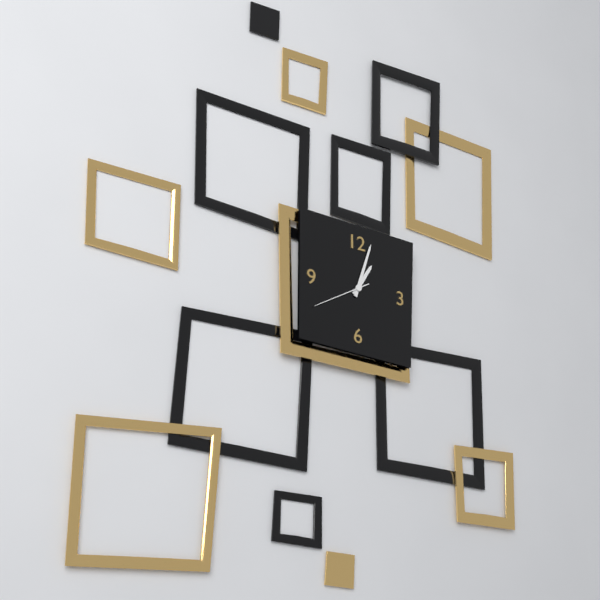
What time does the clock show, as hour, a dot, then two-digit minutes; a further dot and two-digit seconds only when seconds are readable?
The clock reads 1.03.40
